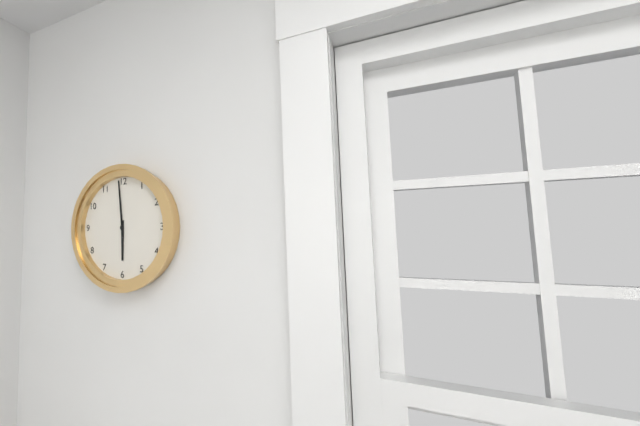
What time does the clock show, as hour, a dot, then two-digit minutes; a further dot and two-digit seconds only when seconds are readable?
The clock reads 5.59
